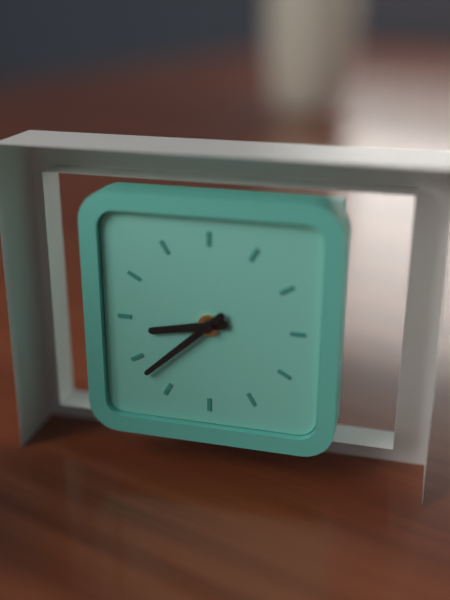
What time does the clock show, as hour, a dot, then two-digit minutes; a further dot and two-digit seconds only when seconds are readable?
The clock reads 8.38
